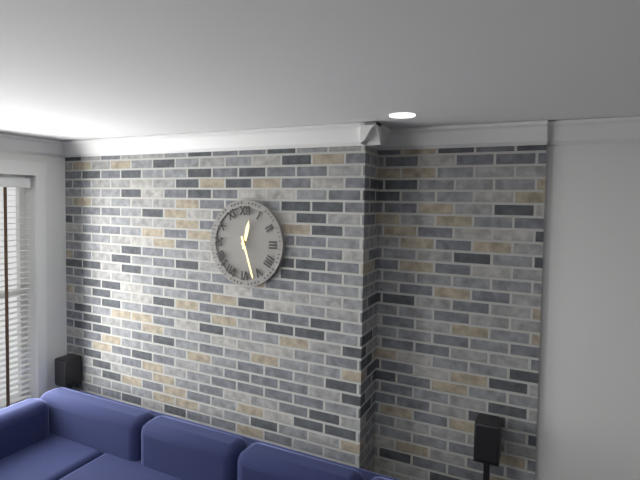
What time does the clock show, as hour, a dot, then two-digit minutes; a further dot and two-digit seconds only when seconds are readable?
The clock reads 12.27
